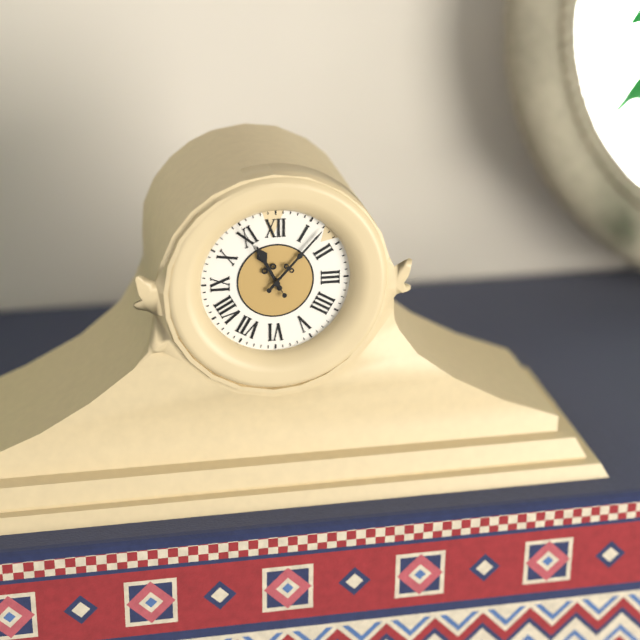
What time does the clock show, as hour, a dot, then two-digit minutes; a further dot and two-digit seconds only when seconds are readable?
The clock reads 11.07.55
